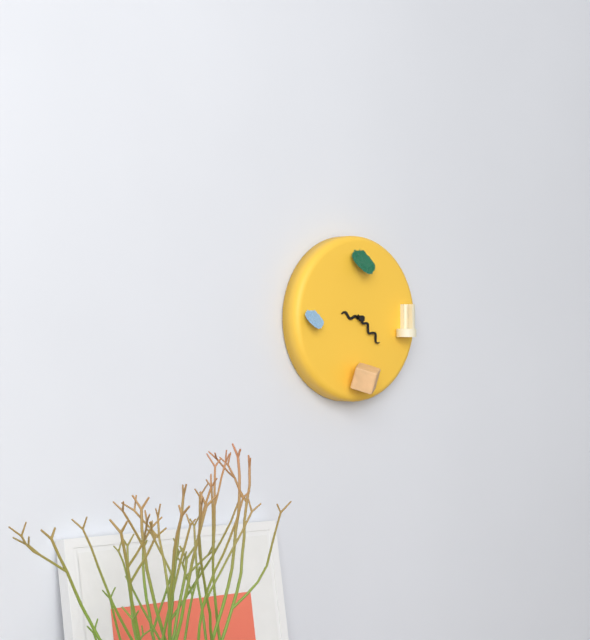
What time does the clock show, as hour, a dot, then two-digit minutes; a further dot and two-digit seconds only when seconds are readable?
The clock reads 9.22
